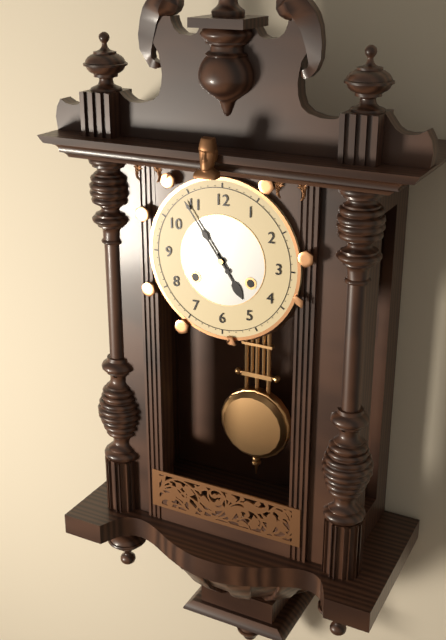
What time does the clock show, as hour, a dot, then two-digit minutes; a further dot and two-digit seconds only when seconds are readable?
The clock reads 4.54
